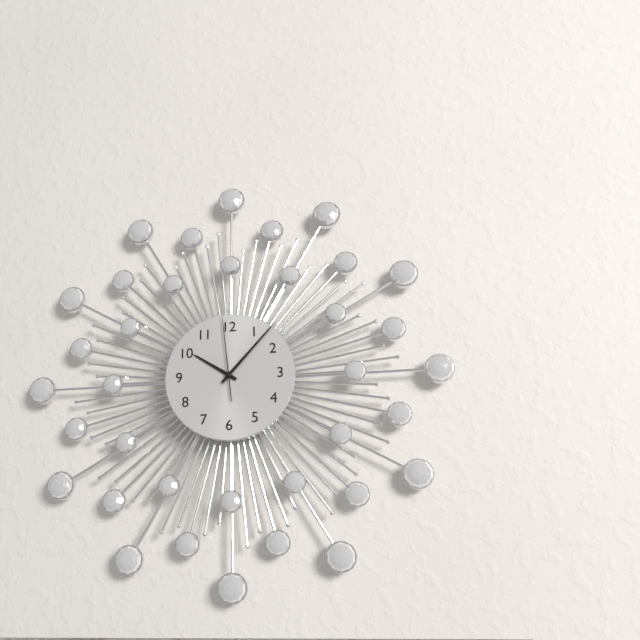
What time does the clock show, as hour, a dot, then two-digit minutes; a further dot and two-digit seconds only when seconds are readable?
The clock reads 10.07.59
